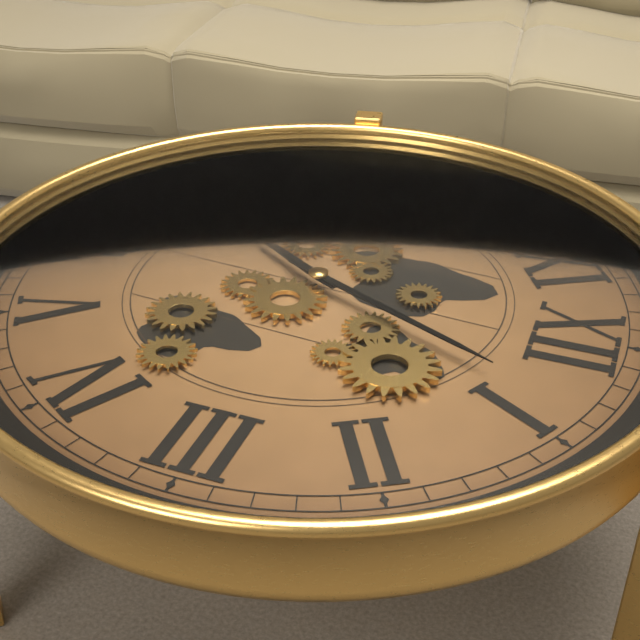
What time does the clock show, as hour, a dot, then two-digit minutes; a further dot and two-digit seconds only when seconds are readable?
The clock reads 7.04
